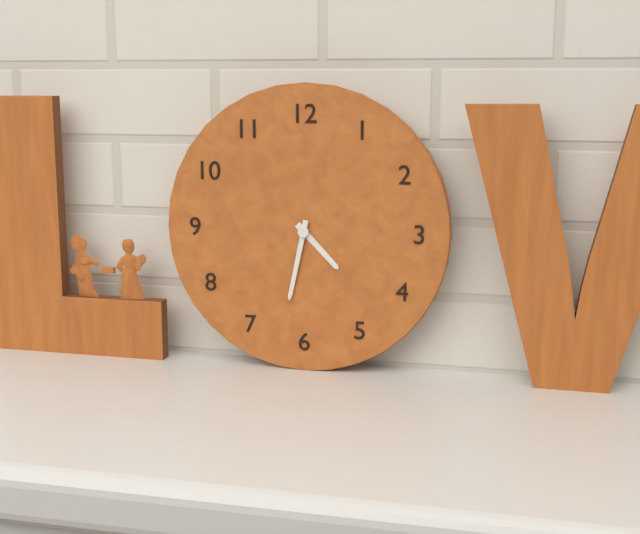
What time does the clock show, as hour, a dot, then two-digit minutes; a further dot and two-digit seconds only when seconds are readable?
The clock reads 4.32
